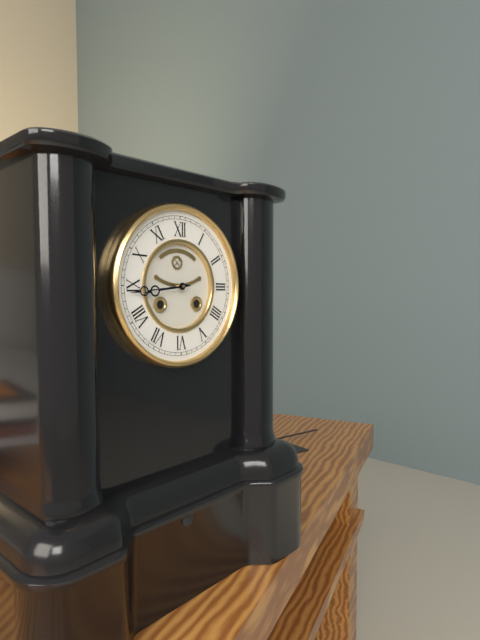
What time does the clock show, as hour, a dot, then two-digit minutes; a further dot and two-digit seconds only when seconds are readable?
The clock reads 8.44
